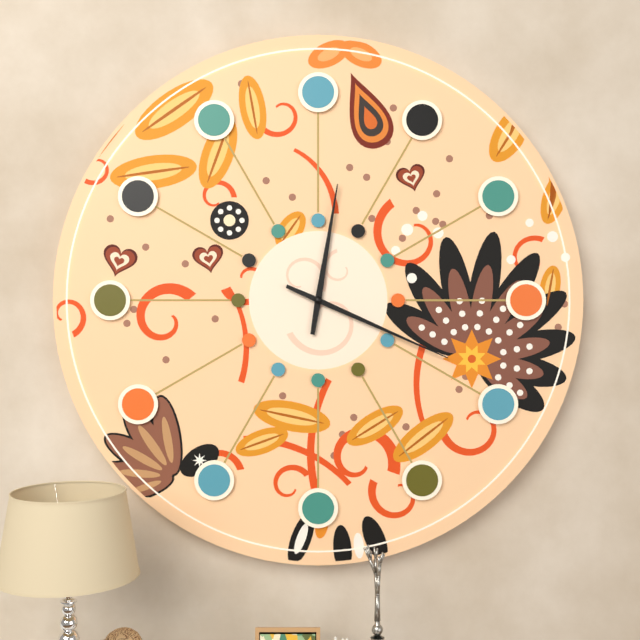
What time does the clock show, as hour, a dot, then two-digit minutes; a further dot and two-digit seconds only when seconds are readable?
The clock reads 12.19
